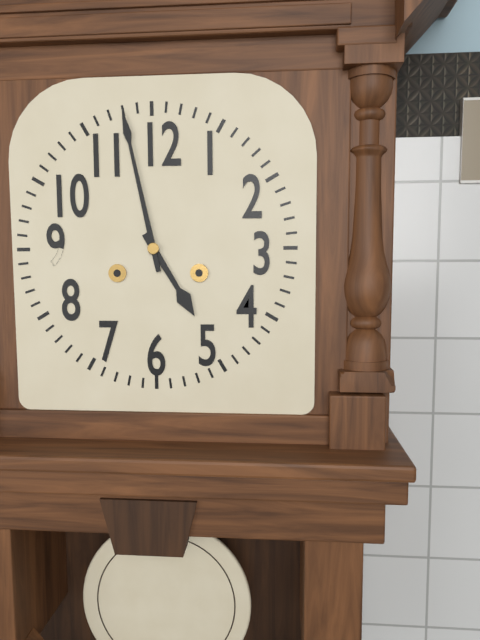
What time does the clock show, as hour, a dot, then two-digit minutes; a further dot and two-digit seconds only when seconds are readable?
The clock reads 4.58
